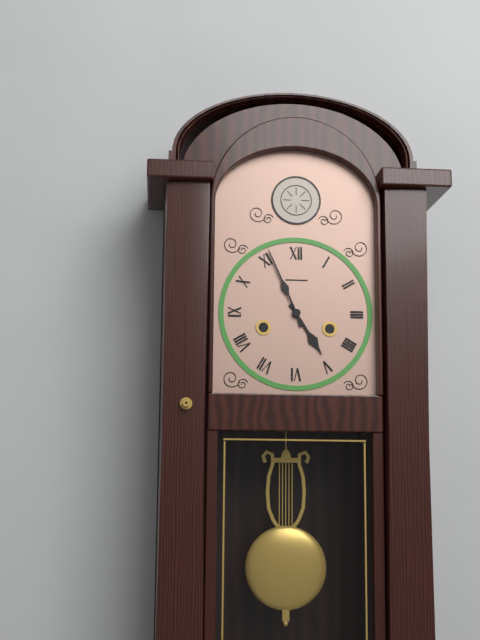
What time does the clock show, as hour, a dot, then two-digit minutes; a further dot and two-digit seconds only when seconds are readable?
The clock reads 4.56
